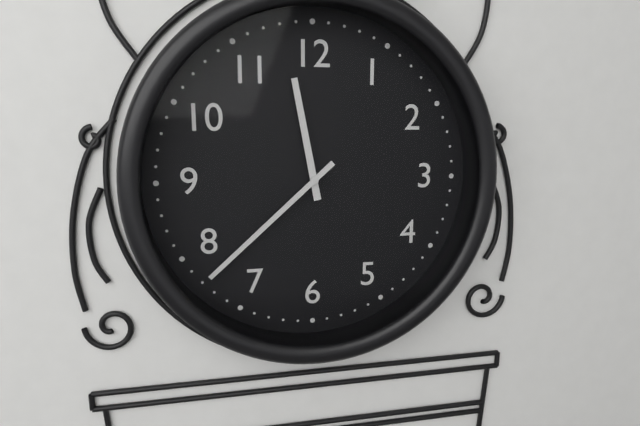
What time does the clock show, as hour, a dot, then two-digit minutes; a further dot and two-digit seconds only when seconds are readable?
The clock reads 11.38
